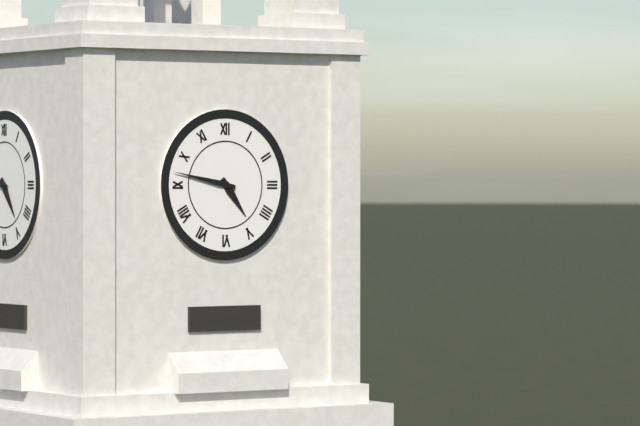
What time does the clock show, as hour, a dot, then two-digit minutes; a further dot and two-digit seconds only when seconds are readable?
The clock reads 4.47
